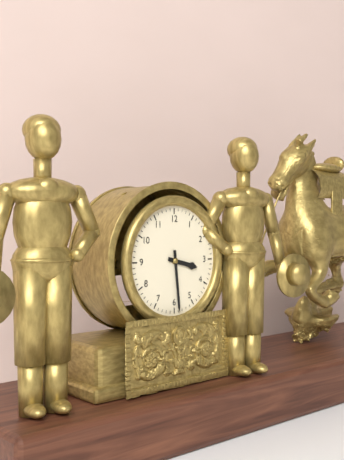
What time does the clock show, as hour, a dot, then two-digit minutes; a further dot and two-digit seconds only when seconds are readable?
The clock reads 3.29
